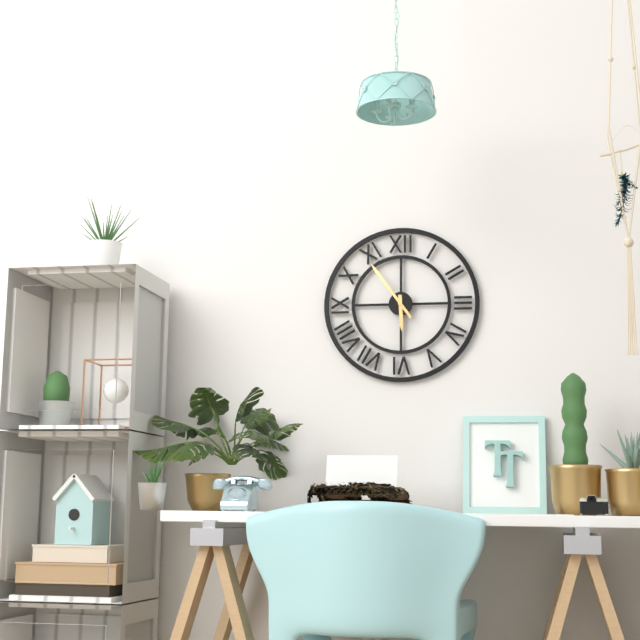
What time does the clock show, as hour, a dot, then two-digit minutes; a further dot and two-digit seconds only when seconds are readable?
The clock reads 5.54
